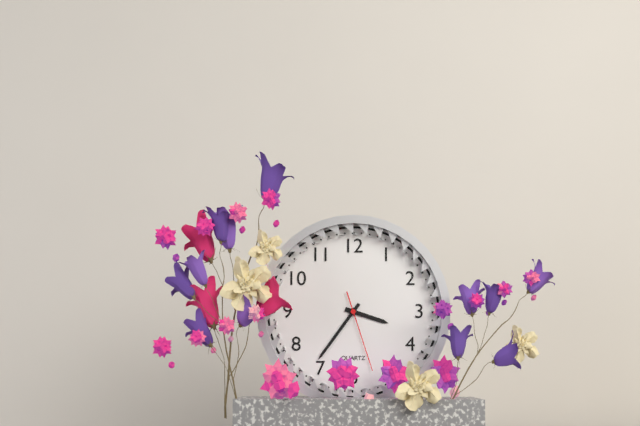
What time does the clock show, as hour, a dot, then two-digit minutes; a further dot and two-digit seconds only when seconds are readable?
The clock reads 3.36.27
